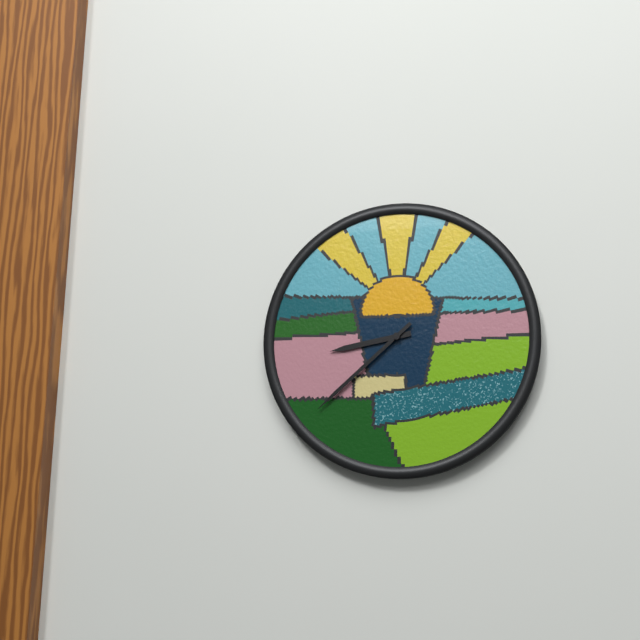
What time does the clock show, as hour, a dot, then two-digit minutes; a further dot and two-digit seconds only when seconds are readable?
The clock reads 8.38
